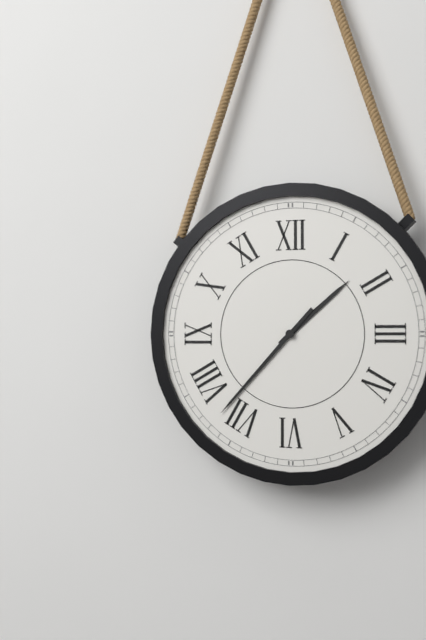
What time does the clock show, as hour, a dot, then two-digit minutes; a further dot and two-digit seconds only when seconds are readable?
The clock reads 1.37
